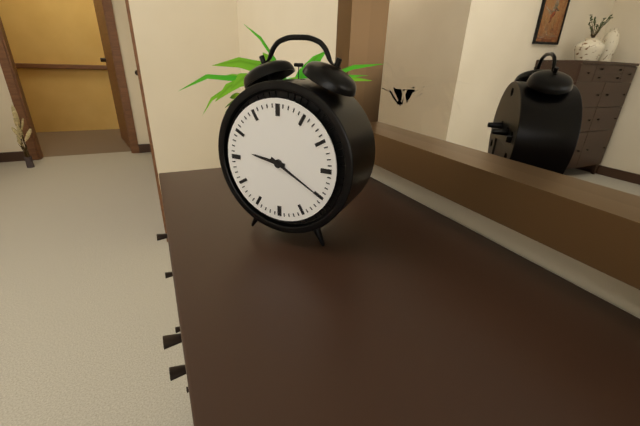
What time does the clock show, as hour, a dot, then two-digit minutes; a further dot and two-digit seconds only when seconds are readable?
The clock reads 9.20
